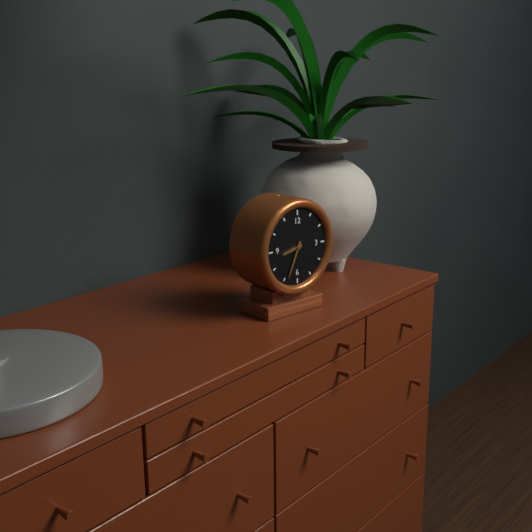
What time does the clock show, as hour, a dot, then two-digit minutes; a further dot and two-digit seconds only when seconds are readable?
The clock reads 8.34
